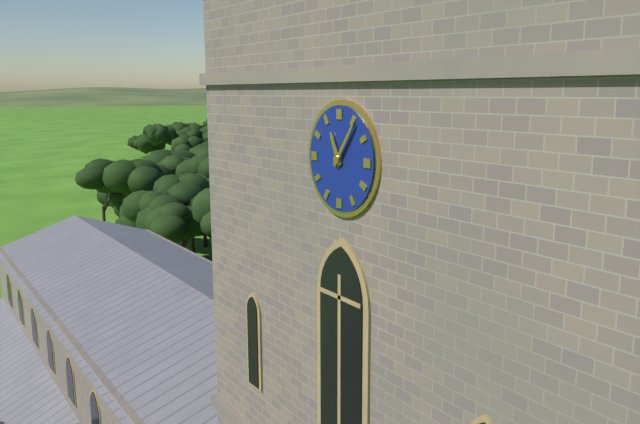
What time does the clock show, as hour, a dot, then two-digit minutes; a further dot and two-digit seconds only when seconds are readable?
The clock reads 11.06
